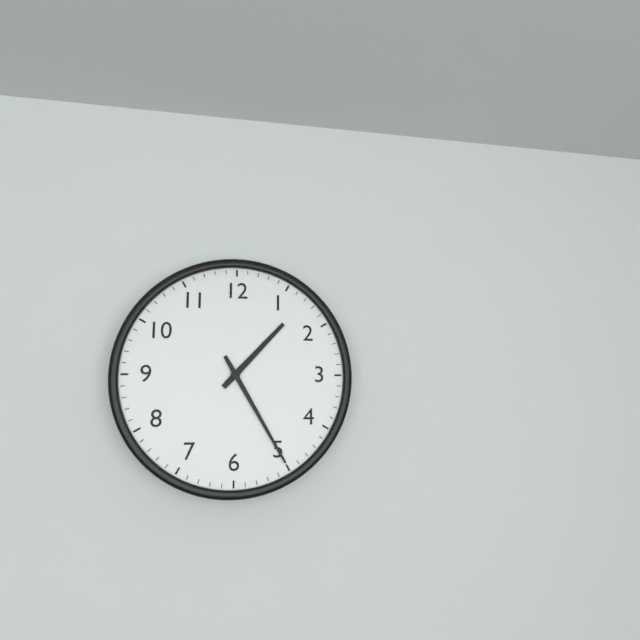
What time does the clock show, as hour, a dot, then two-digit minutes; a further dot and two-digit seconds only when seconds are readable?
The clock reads 1.25
